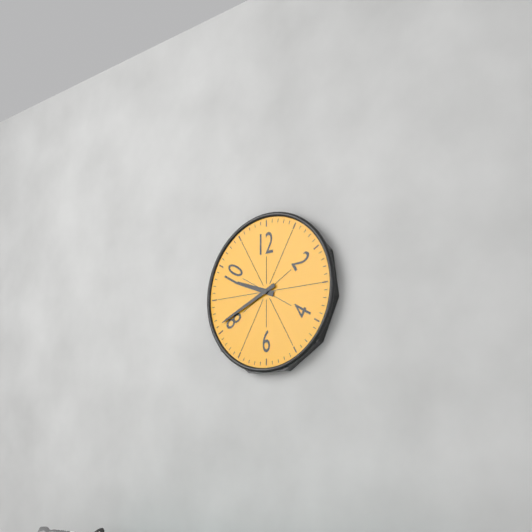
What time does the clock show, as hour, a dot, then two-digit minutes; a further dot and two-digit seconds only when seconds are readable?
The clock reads 9.41
